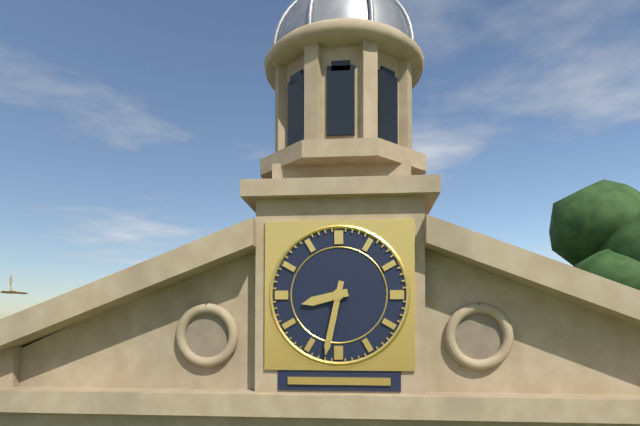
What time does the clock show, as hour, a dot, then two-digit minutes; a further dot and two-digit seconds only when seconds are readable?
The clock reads 8.32
